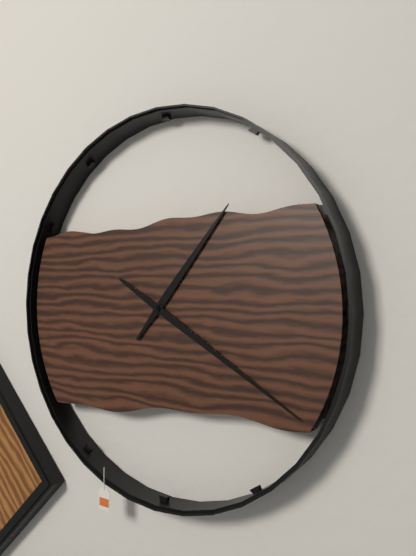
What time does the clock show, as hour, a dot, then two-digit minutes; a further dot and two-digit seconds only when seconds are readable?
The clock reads 1.20
